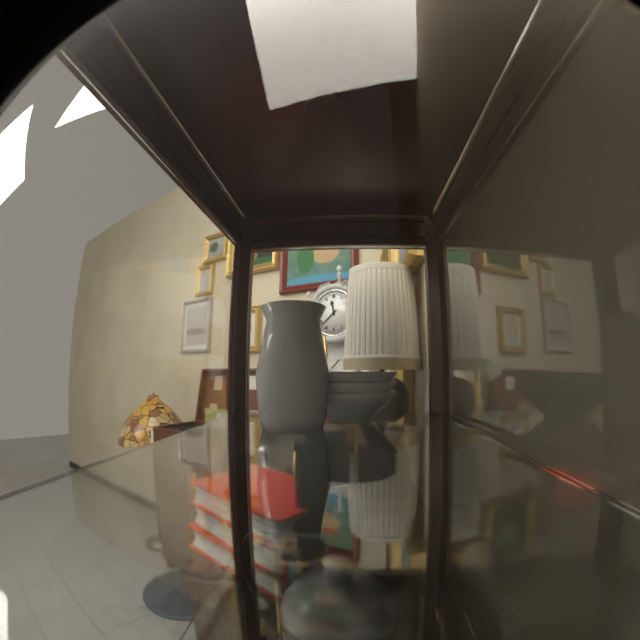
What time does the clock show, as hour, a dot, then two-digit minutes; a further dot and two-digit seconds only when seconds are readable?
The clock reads 11.38
